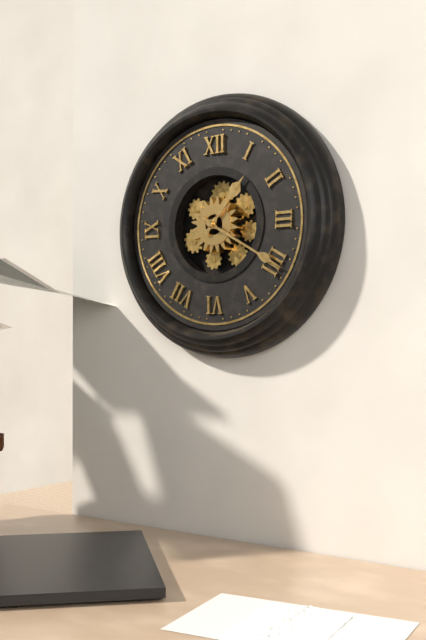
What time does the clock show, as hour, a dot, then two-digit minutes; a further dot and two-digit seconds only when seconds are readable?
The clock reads 1.20
